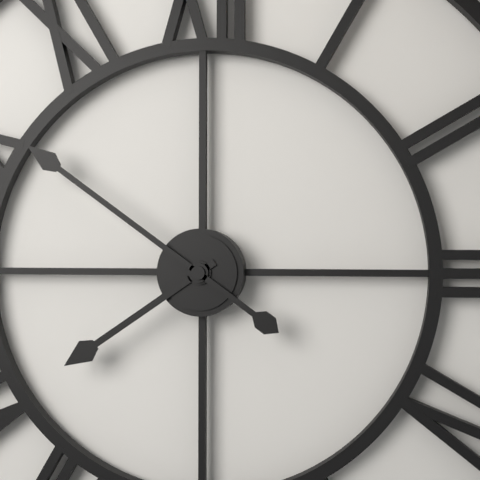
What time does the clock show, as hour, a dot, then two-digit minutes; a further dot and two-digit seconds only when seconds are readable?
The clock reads 7.51
